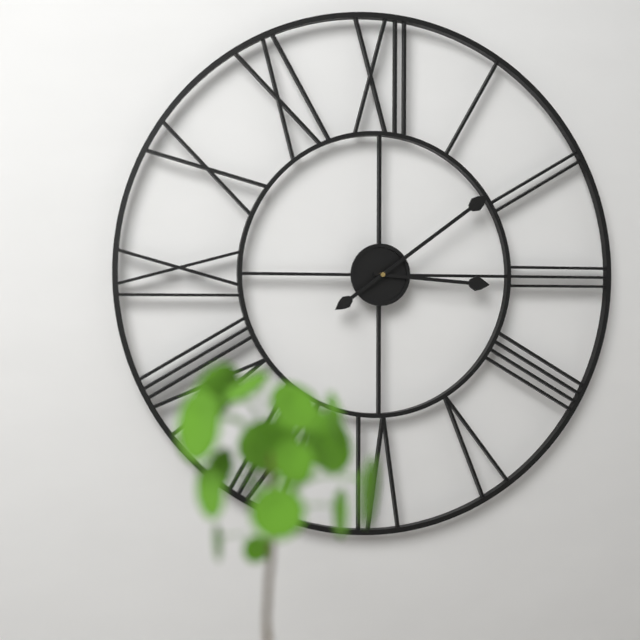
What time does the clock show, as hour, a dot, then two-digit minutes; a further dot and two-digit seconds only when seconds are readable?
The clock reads 3.09
